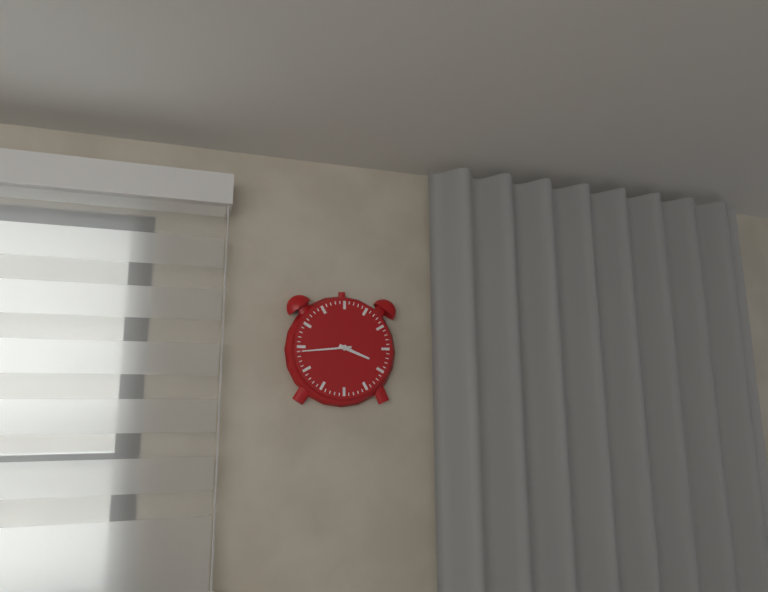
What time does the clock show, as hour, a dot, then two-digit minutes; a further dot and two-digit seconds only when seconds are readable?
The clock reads 3.44
